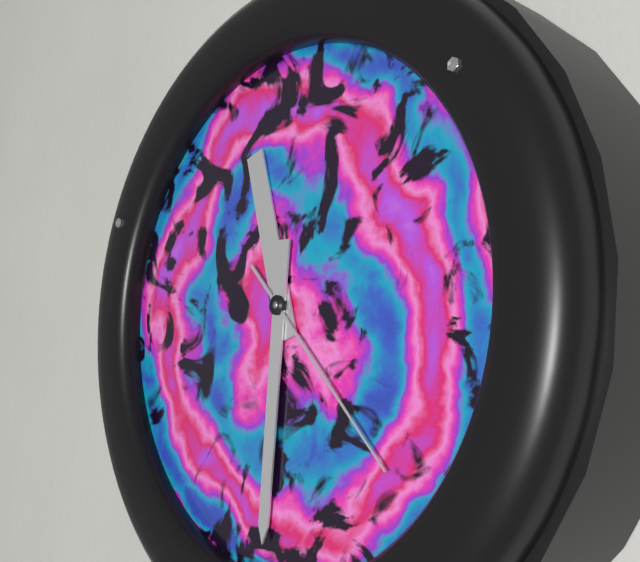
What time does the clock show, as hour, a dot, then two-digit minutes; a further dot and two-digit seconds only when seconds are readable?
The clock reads 11.31.23
